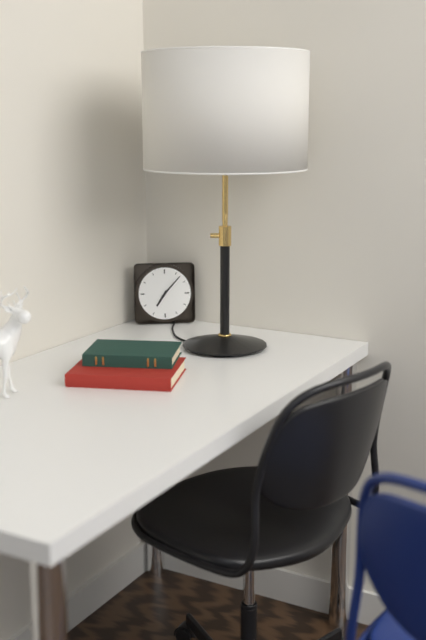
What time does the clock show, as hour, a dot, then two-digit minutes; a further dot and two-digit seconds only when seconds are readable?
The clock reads 7.07
